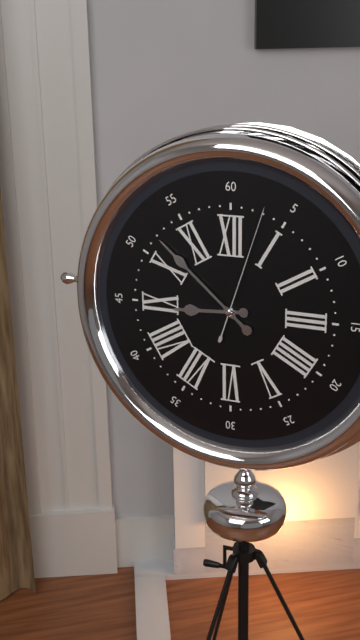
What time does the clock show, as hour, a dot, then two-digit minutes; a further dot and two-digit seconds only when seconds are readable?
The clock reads 8.52.03
